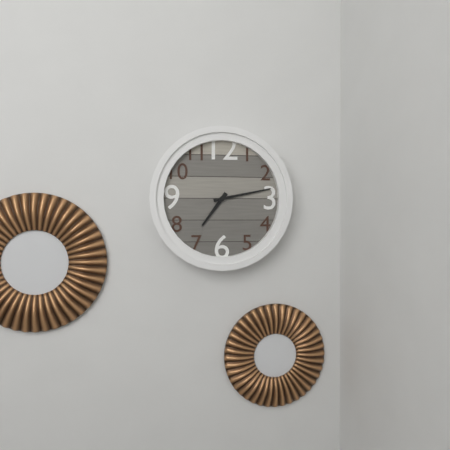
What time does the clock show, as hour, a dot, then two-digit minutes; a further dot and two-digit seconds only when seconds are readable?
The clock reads 7.13
